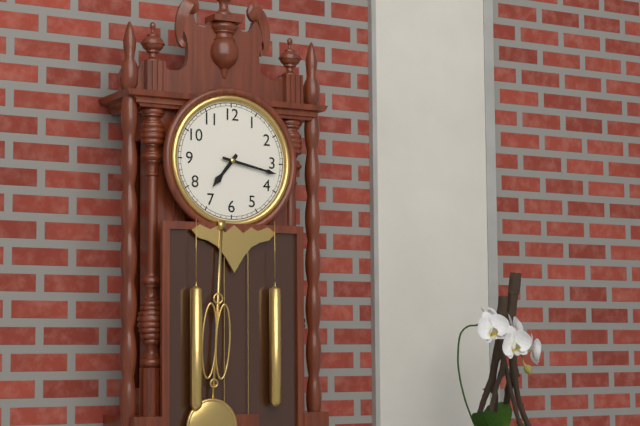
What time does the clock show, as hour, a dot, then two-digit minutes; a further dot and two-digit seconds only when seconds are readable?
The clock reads 7.17
